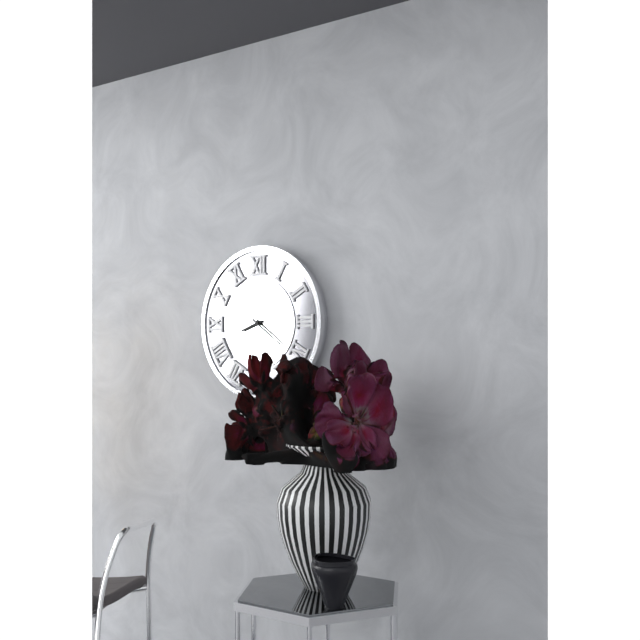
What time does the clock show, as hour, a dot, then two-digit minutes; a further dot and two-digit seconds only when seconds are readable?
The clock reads 8.21
